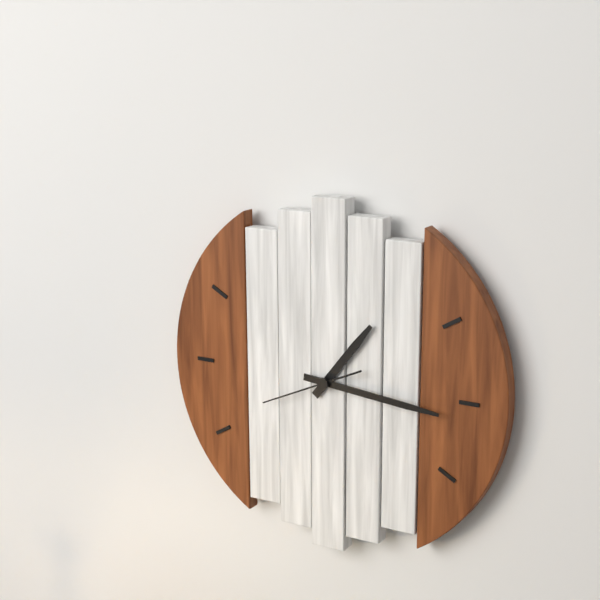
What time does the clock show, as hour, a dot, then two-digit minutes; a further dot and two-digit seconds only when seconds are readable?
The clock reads 1.16.41
